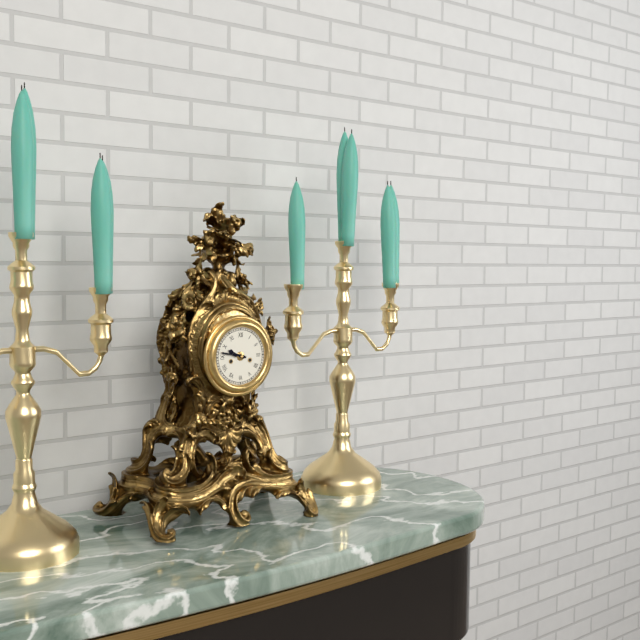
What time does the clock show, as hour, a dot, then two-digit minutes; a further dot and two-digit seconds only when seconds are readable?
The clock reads 9.47
